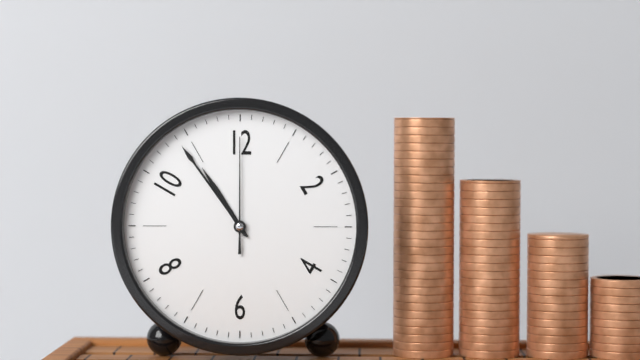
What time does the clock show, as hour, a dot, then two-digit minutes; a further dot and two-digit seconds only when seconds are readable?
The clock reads 10.54.00
